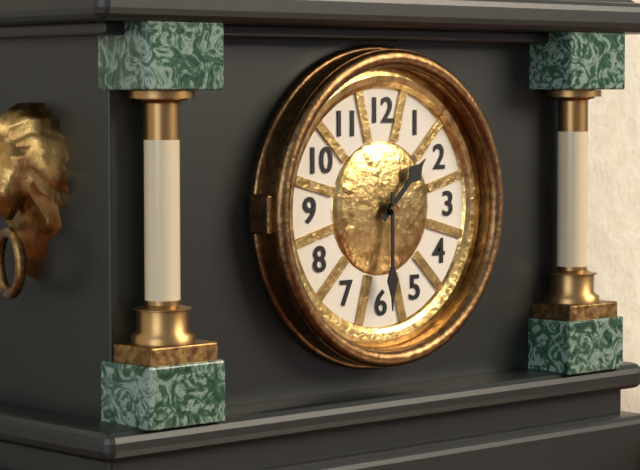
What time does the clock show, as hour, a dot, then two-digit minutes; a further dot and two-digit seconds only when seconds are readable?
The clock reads 1.30
